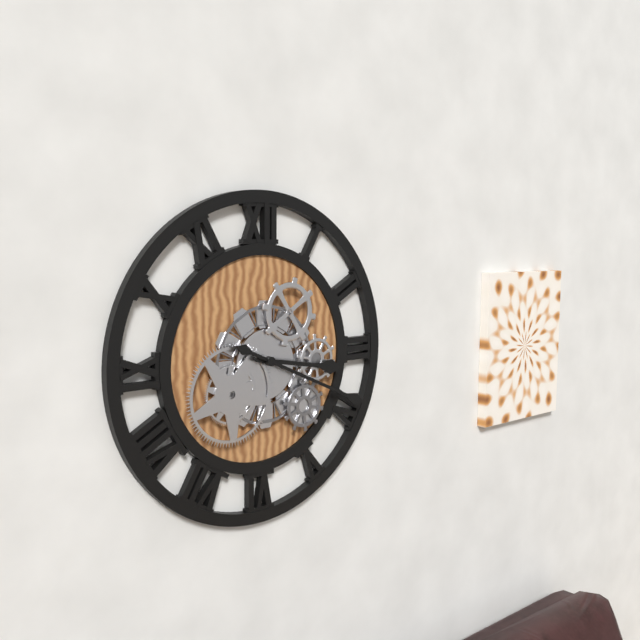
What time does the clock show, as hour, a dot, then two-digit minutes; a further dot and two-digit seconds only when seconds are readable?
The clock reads 3.19
